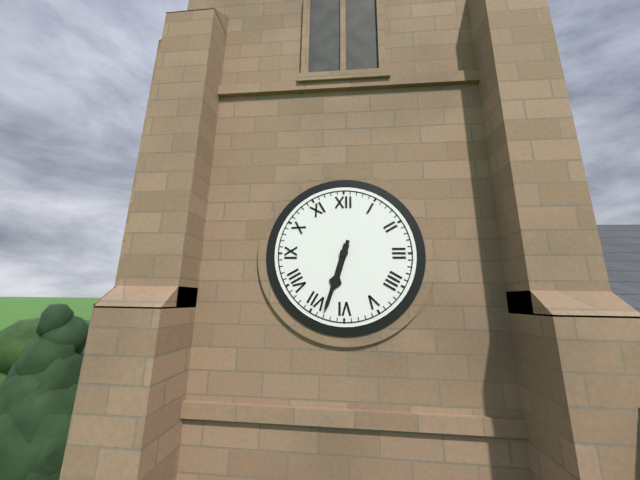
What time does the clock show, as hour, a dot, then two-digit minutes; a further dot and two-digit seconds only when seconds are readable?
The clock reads 6.33
